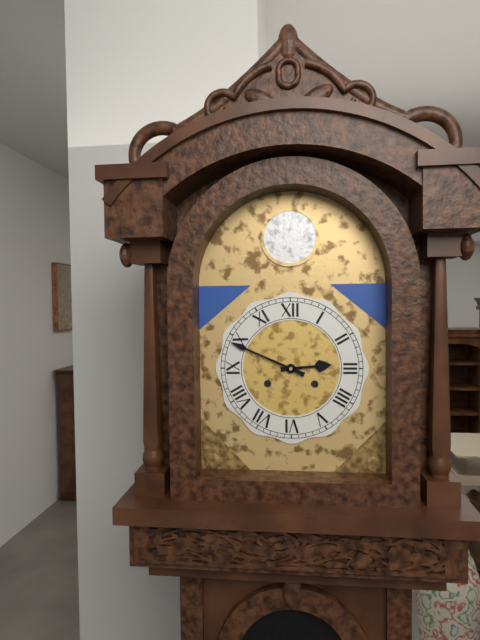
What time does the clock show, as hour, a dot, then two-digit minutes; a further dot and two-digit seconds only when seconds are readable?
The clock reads 2.49
